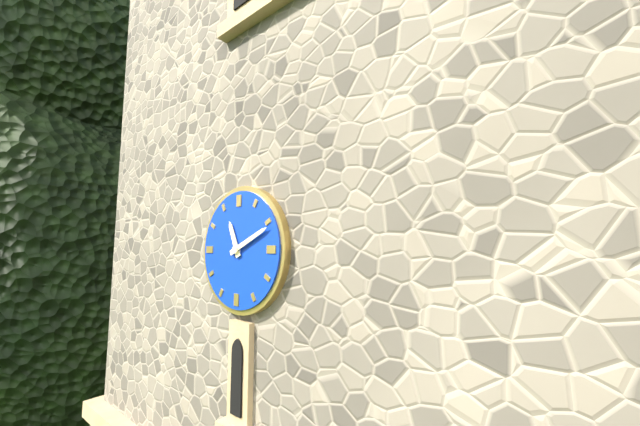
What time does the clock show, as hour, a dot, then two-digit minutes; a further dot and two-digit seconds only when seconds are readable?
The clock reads 11.11
